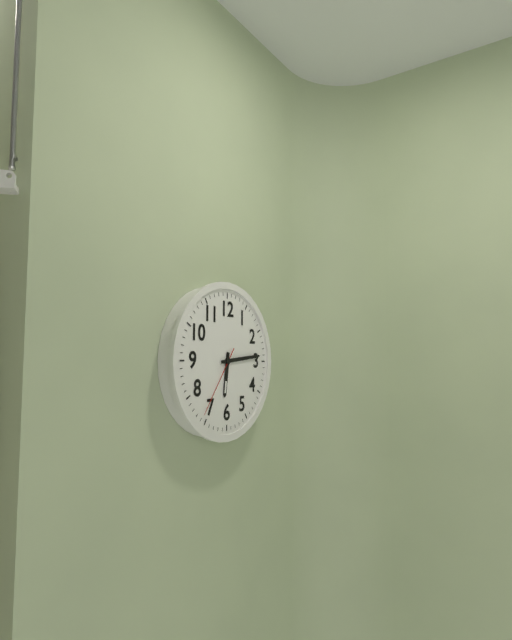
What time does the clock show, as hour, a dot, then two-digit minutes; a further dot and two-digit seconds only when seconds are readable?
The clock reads 6.14.36
